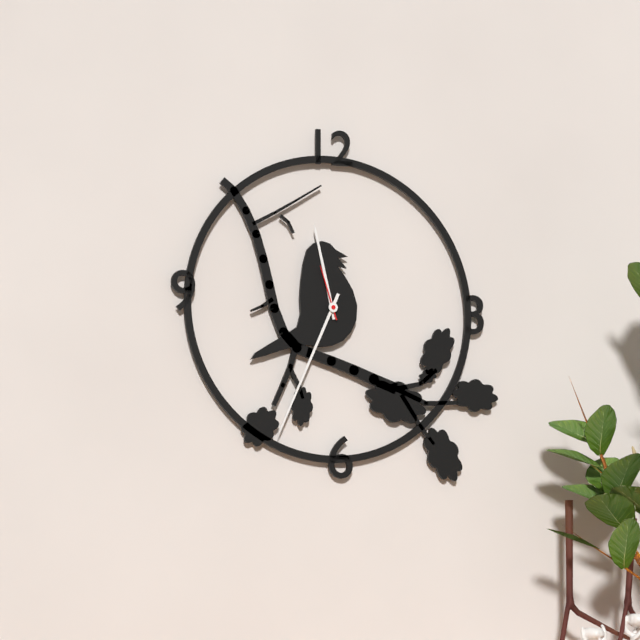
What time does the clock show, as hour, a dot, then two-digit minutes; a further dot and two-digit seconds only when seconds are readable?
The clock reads 11.34.57
